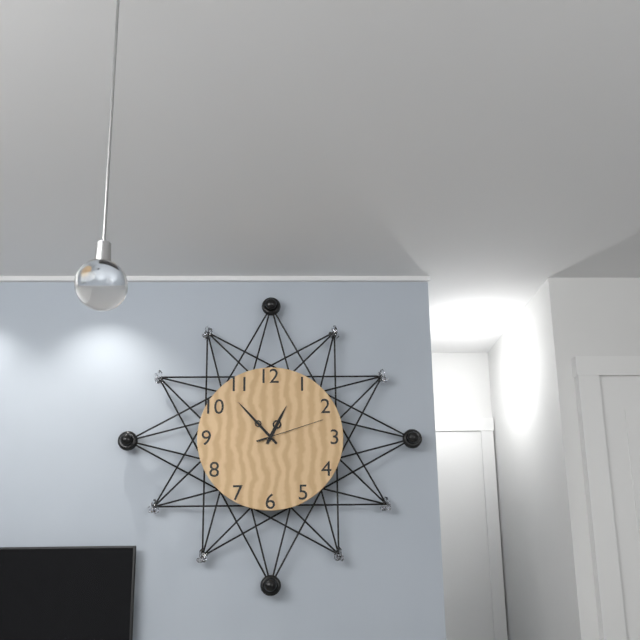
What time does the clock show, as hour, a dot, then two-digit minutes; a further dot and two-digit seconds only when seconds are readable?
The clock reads 12.53.12
